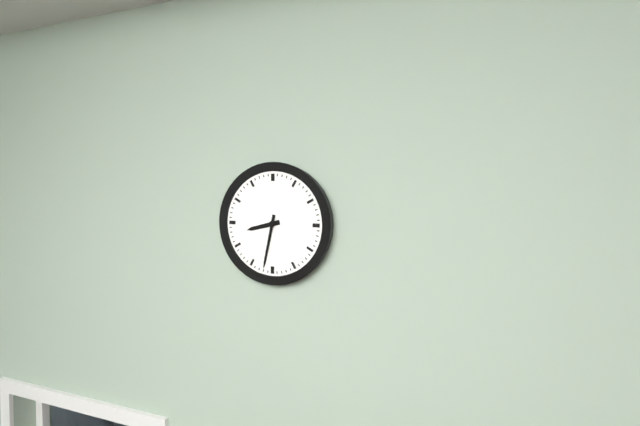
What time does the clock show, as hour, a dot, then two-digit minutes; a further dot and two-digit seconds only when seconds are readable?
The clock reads 8.32
